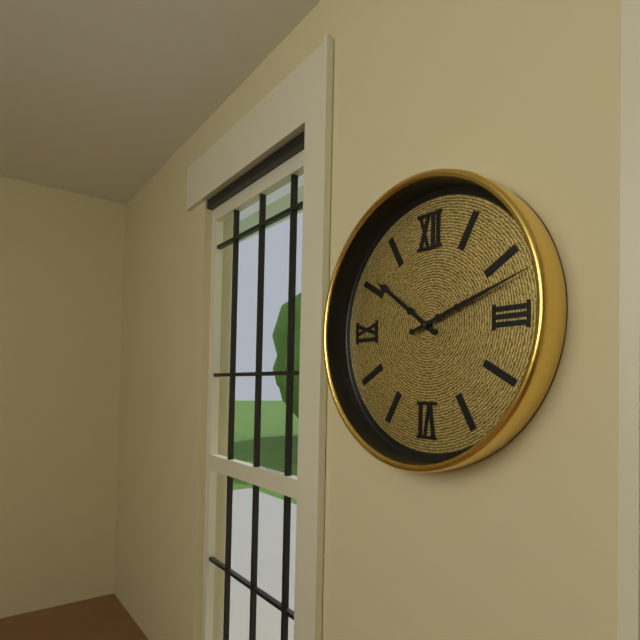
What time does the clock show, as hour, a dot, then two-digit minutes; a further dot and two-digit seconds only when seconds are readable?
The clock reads 10.12
